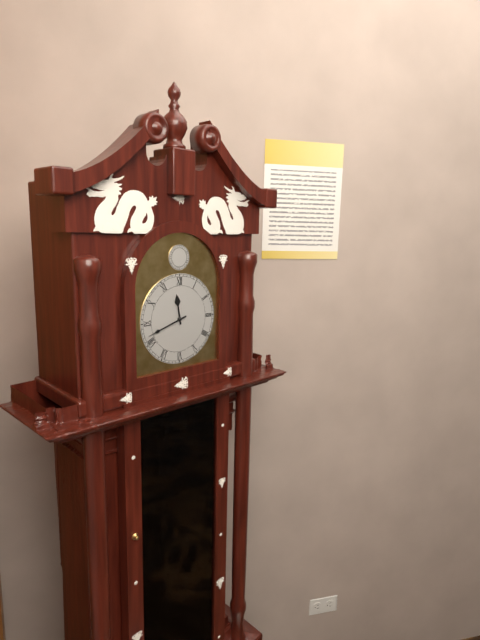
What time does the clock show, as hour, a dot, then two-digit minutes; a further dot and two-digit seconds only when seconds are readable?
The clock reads 11.42
